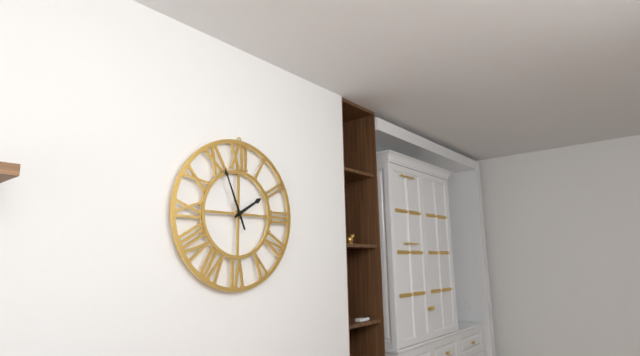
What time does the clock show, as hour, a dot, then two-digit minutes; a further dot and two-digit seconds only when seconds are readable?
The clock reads 1.56
